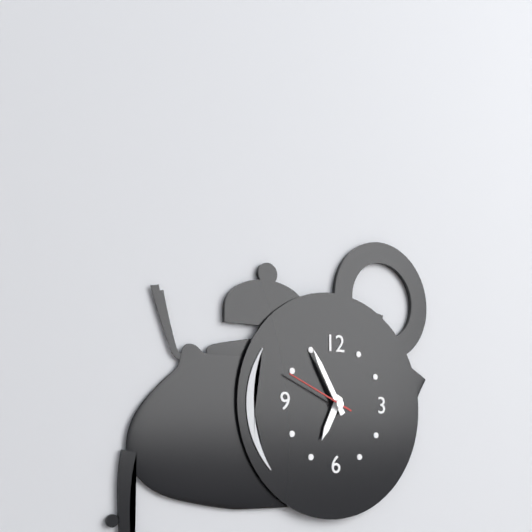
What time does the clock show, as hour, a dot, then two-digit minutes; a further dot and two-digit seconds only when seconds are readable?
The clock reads 6.55.49
